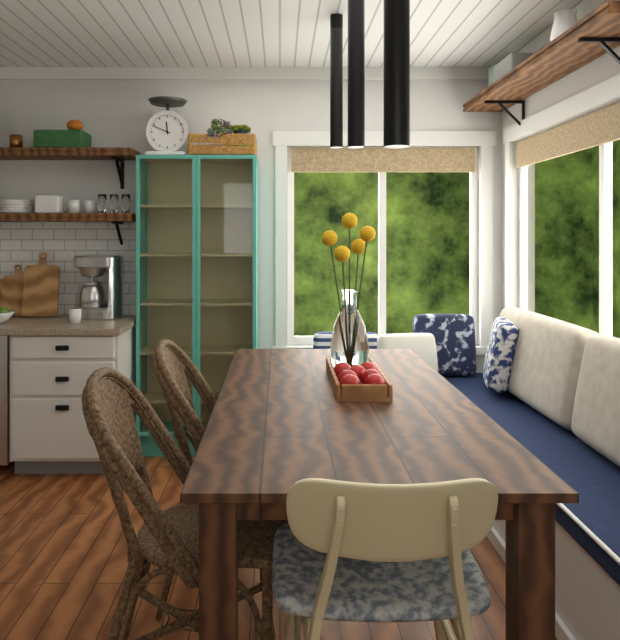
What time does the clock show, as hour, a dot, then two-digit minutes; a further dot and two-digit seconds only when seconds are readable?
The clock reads 11.49
